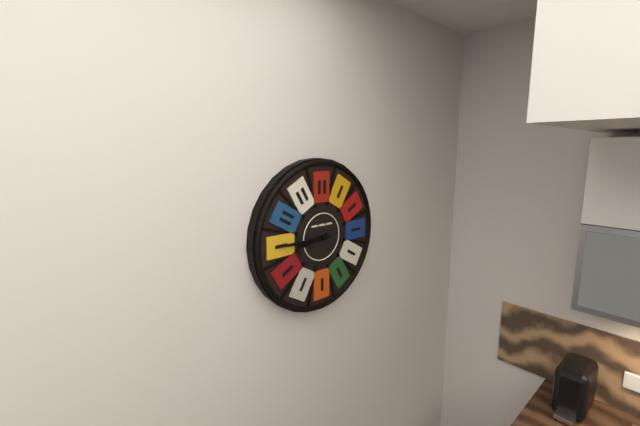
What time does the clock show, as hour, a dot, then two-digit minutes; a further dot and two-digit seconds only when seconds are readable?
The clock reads 8.45
